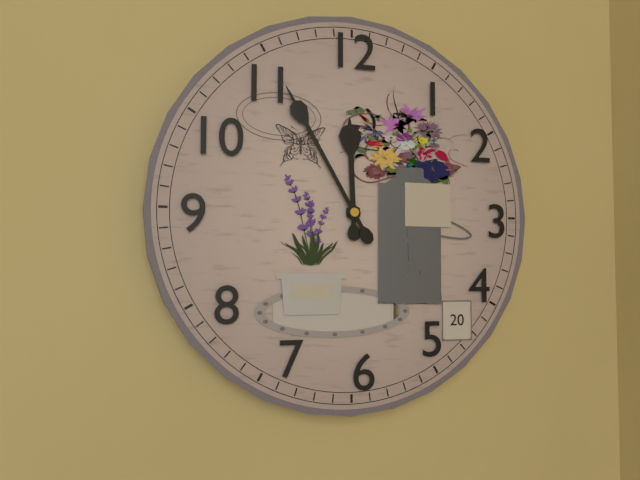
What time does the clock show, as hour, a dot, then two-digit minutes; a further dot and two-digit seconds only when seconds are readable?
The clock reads 11.55
